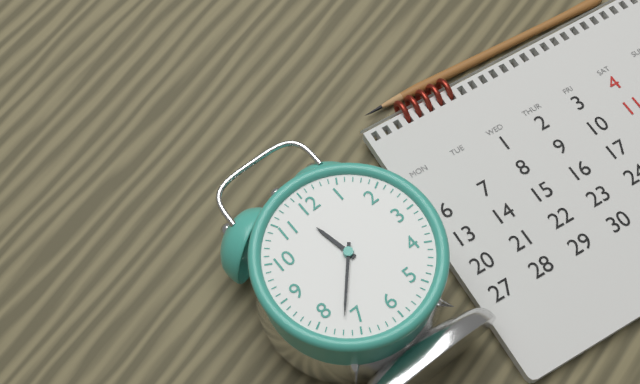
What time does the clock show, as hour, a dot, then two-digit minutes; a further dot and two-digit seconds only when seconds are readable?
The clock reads 11.37
